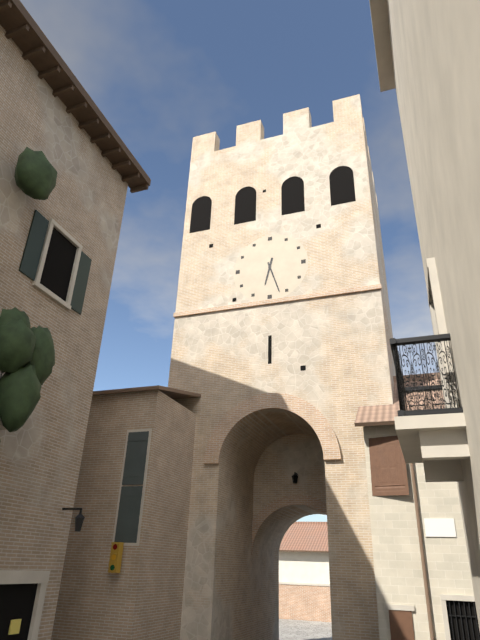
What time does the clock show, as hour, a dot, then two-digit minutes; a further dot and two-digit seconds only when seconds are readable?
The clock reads 6.27
